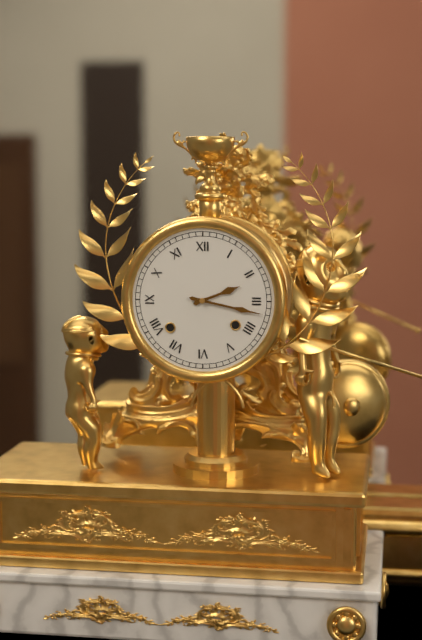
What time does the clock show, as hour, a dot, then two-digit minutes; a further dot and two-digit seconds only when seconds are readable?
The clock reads 2.17
